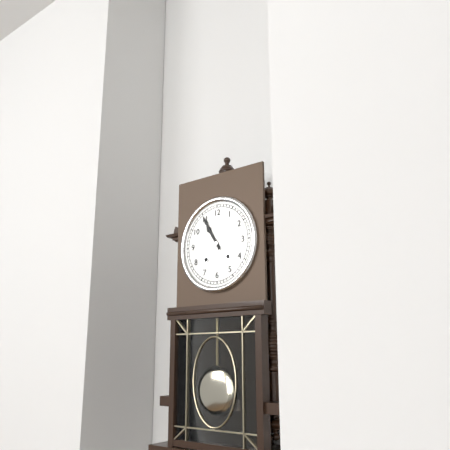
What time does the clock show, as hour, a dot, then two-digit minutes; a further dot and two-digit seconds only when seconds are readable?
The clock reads 10.55
